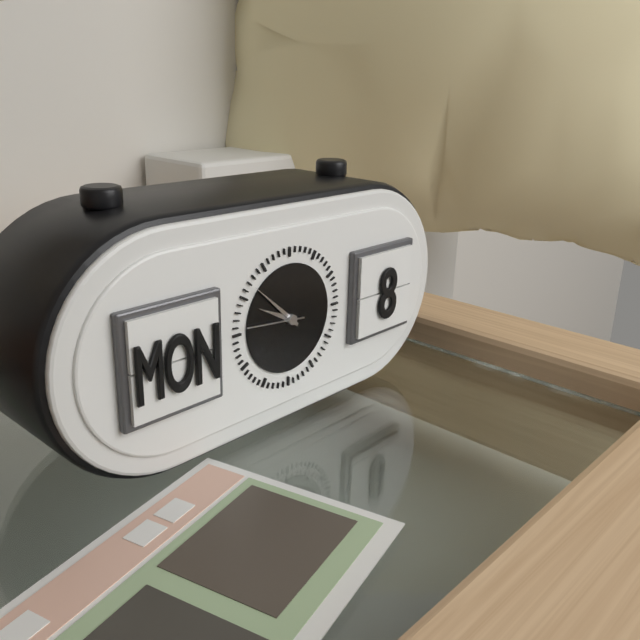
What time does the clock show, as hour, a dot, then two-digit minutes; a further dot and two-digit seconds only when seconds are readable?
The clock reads 9.52
